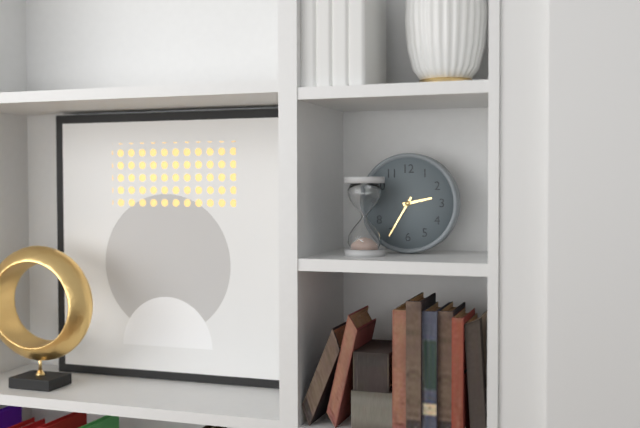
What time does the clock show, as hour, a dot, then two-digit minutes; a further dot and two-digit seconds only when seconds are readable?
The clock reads 2.35
